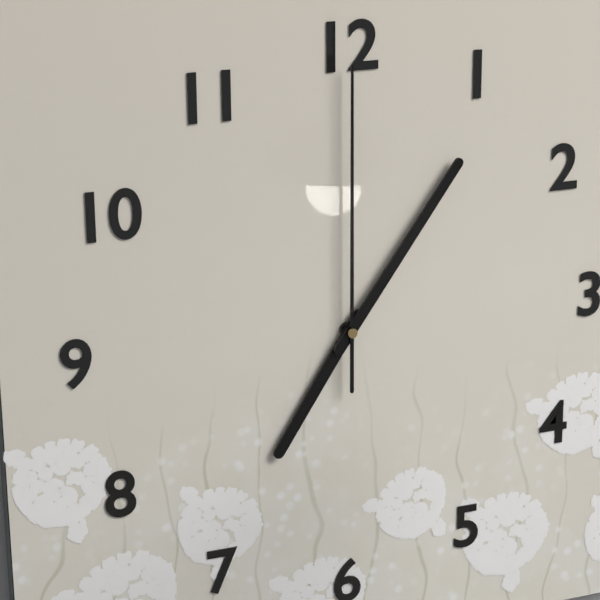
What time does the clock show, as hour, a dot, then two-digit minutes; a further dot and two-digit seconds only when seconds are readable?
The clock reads 7.06.00
